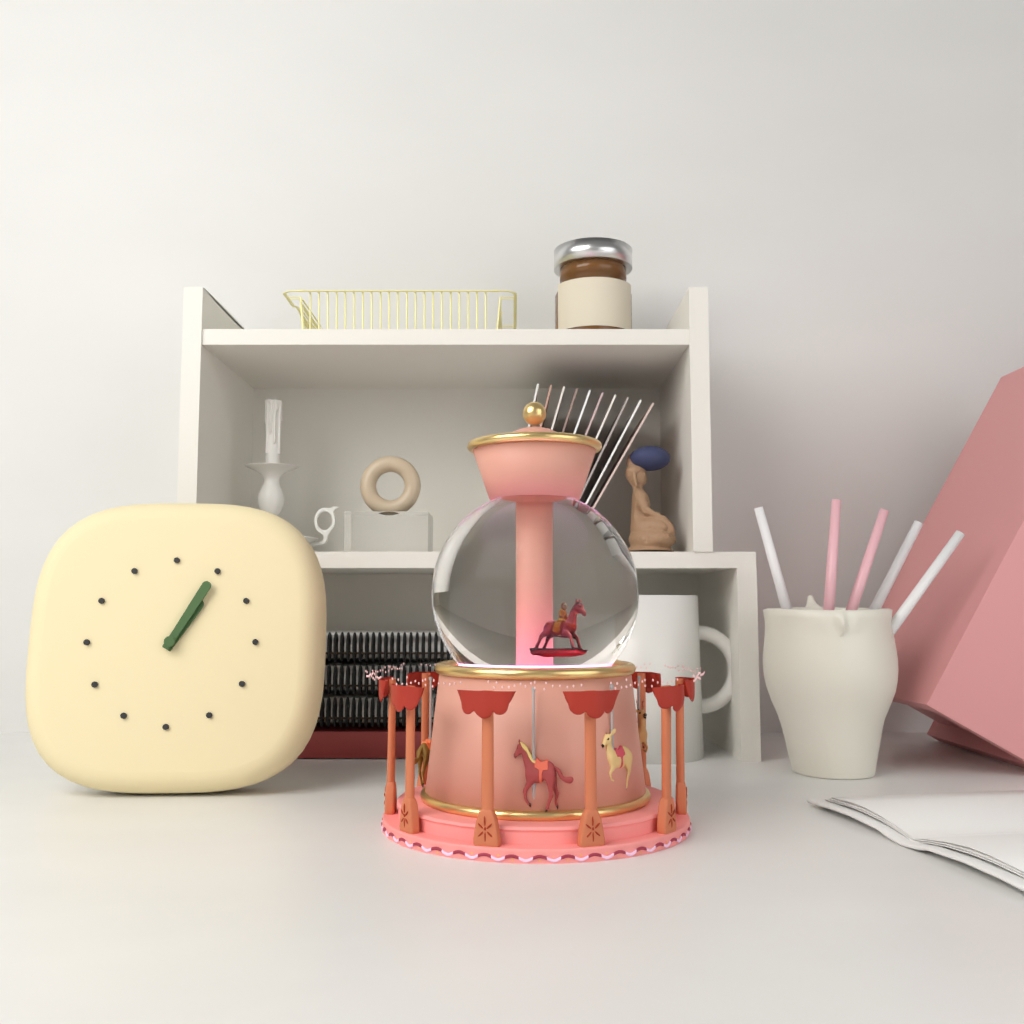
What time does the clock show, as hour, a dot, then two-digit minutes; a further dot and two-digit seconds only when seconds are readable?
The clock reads 1.05
